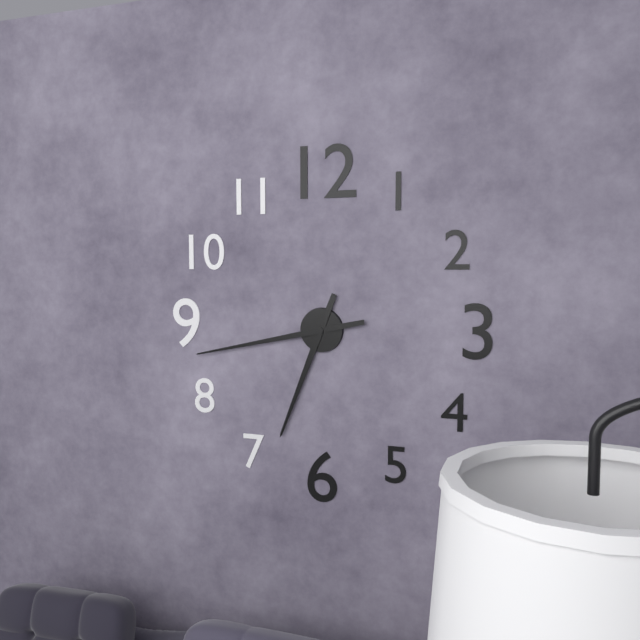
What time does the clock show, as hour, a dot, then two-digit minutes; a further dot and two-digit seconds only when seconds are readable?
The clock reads 6.43
